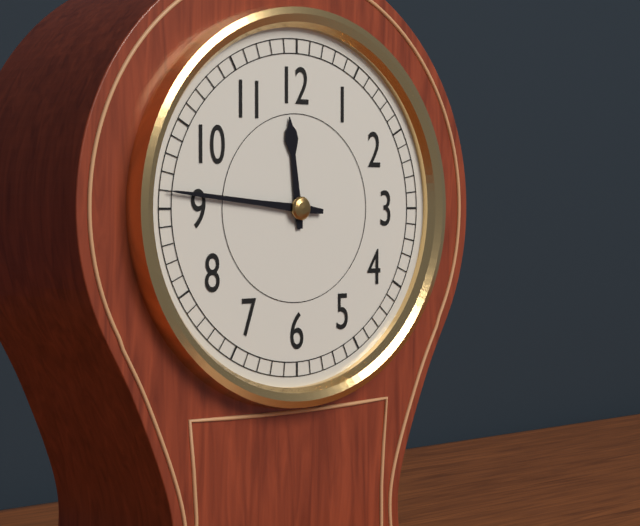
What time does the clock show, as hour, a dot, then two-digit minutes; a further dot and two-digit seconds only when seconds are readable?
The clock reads 11.46
